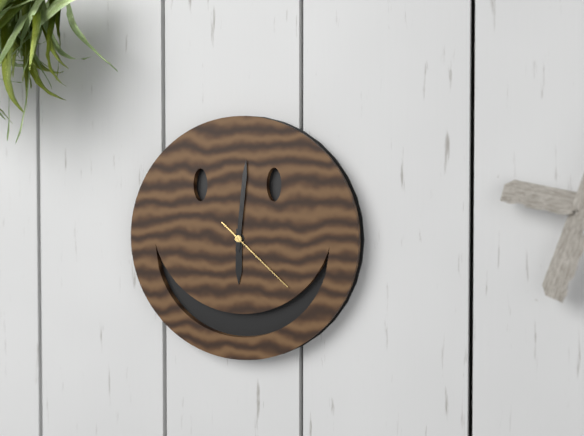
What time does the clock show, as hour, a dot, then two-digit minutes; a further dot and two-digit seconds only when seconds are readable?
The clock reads 6.01.22
